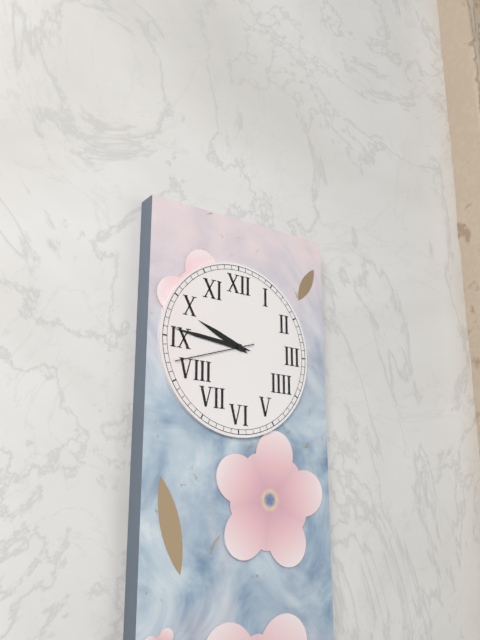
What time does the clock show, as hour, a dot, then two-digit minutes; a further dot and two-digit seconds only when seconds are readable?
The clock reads 9.46.42
